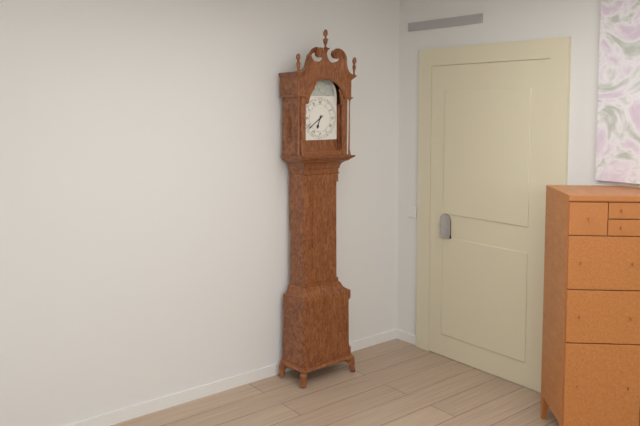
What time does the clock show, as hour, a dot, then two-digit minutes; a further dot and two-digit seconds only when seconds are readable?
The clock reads 6.39
